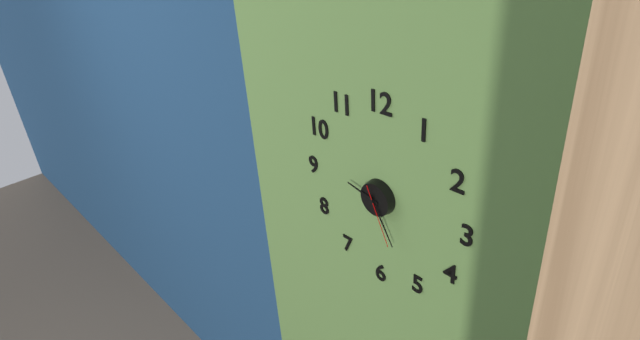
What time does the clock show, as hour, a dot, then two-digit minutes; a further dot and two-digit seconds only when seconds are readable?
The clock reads 9.25.26
